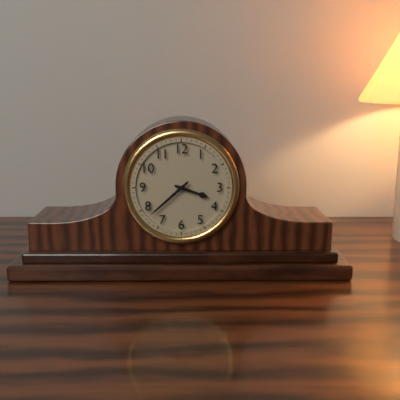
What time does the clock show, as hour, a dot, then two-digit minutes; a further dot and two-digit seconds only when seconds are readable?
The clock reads 3.38
